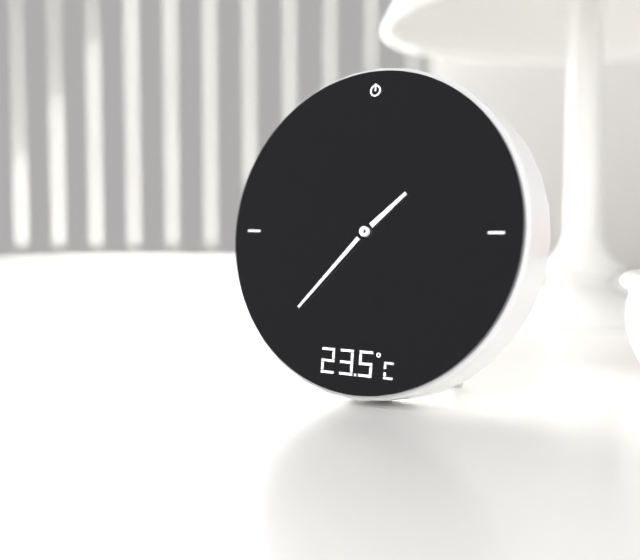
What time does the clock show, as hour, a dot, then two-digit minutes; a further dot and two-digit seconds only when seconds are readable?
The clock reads 1.37
